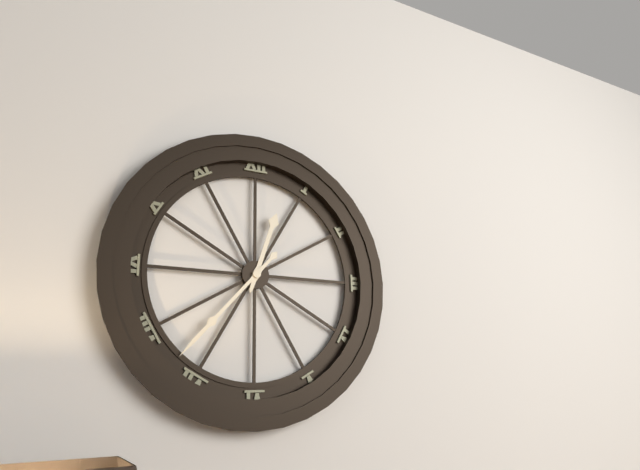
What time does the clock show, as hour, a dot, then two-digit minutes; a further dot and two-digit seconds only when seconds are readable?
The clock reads 12.37
